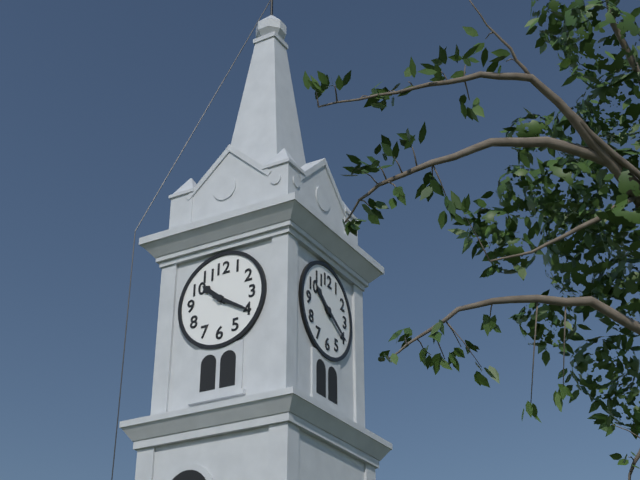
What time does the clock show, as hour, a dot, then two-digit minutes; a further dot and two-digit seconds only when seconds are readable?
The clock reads 10.20
